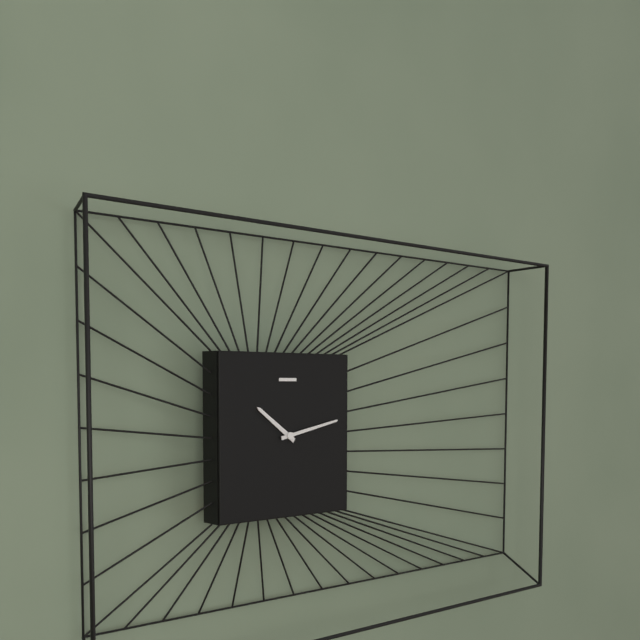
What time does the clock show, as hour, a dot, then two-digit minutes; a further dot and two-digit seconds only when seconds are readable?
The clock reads 10.13
